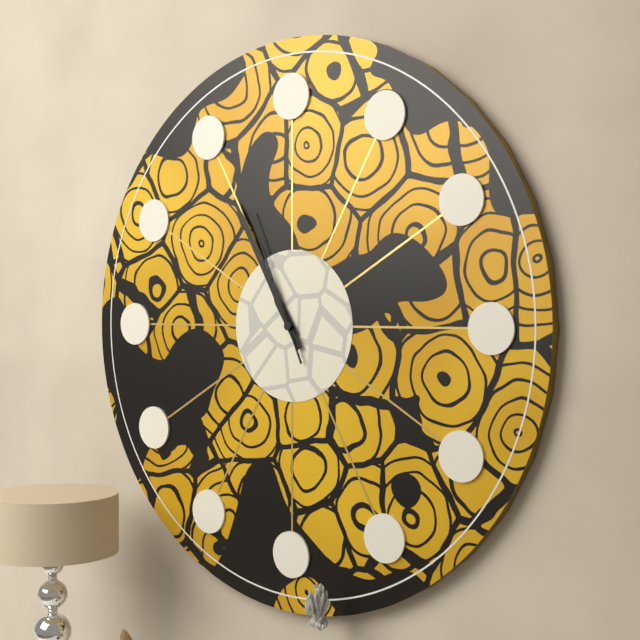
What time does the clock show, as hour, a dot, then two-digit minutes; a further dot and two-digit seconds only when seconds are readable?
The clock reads 10.55.56
